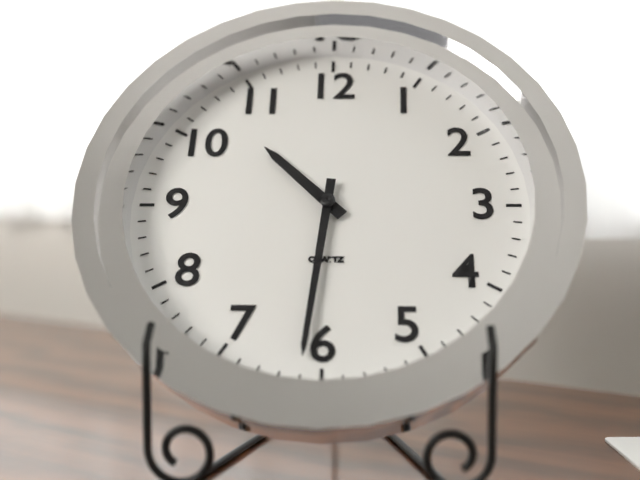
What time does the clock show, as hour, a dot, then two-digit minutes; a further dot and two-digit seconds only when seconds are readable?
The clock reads 10.31
